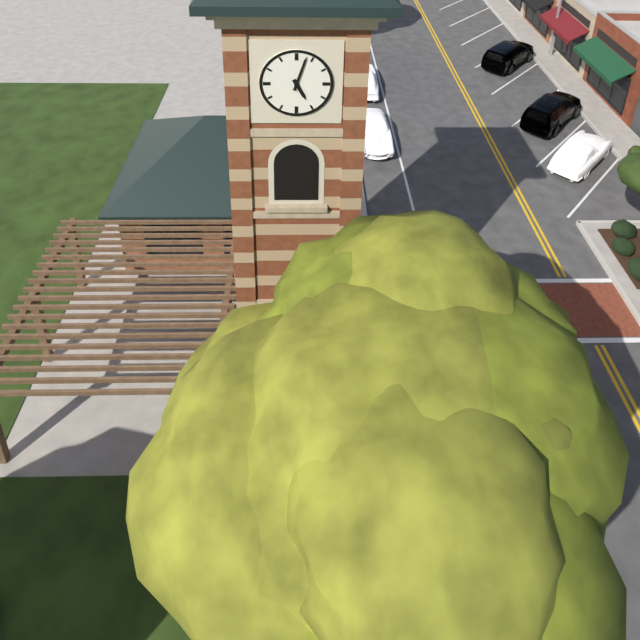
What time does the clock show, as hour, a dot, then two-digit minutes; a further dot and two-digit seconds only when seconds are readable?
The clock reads 5.03
